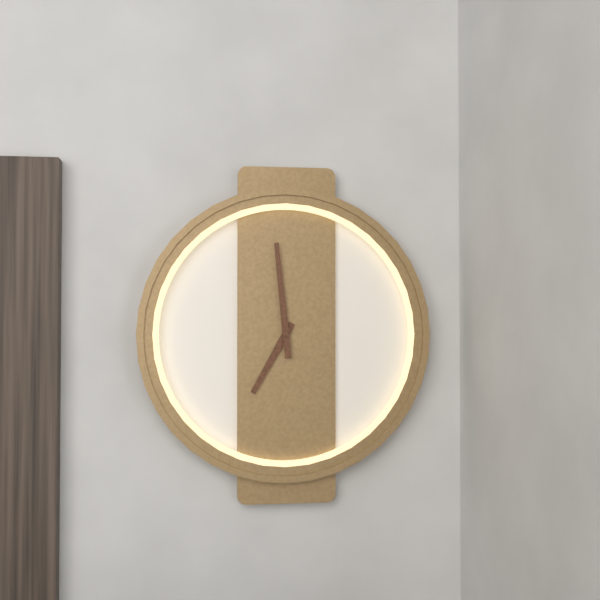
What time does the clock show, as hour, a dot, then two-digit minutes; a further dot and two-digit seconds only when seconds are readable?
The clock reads 6.59
